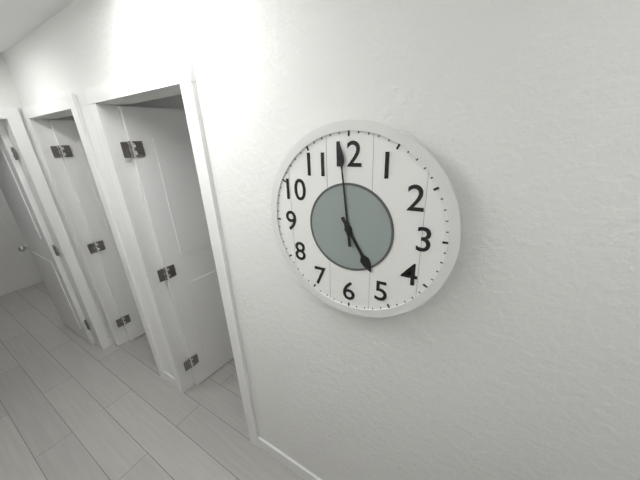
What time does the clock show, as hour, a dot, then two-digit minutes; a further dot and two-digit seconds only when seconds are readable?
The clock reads 4.59
